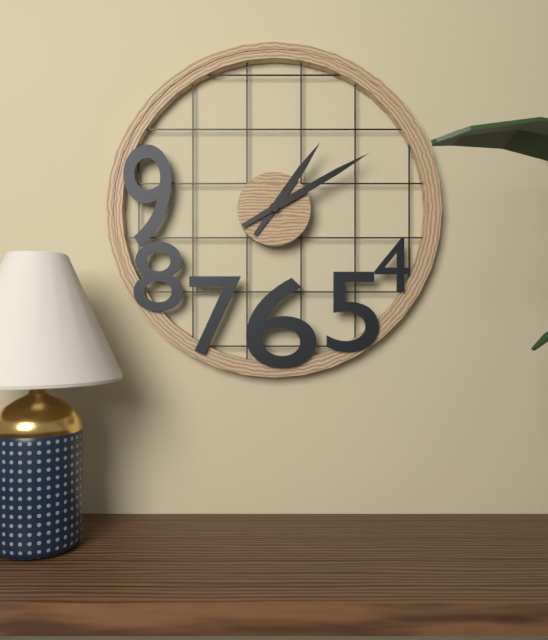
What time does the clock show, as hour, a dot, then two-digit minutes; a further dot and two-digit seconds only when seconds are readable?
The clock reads 1.10
